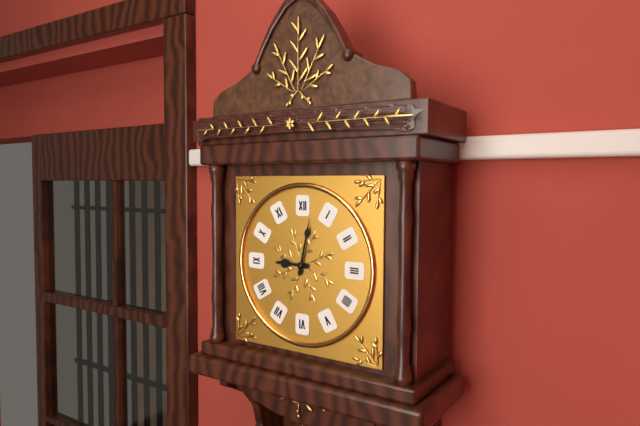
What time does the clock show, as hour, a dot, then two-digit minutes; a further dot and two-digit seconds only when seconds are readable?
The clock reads 9.02
